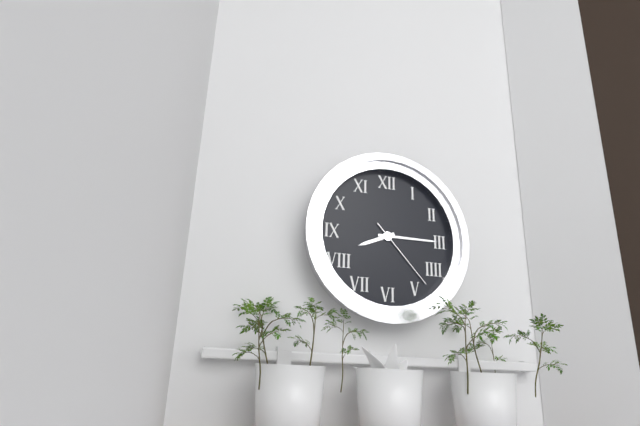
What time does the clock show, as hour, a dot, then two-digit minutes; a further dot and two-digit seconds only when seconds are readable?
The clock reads 8.15.23
